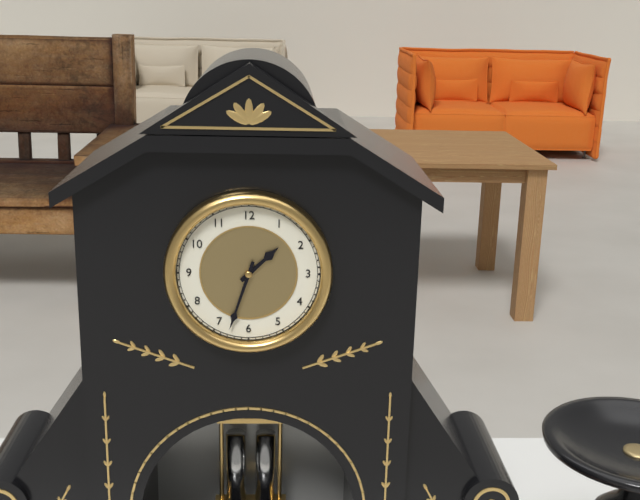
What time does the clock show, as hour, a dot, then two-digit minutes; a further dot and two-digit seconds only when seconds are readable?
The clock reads 1.33
